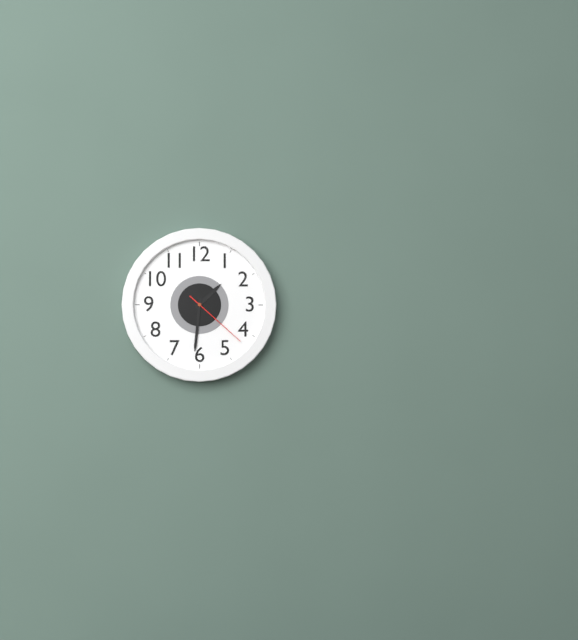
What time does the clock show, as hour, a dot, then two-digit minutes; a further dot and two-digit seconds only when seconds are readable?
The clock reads 1.31.22
